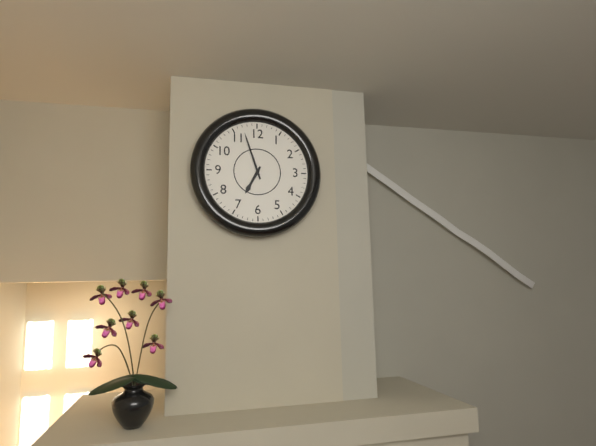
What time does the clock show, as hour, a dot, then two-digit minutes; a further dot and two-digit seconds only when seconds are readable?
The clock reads 6.57
